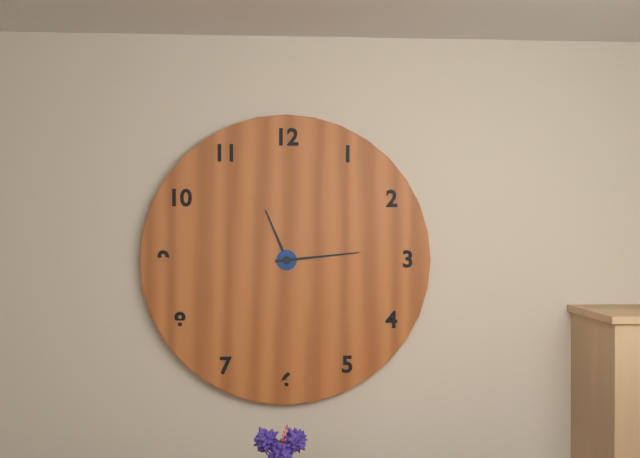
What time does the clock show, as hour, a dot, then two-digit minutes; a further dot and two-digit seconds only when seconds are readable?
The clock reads 11.14
